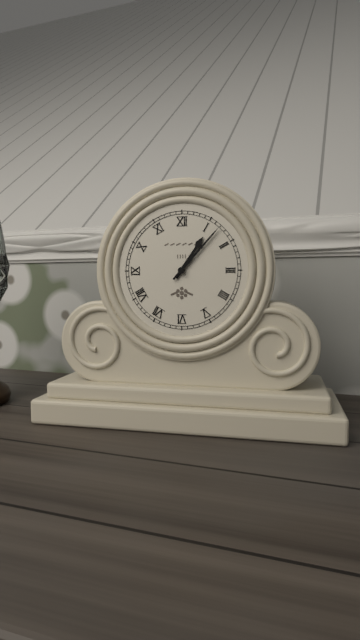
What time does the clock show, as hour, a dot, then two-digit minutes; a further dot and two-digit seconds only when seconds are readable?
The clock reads 1.07
